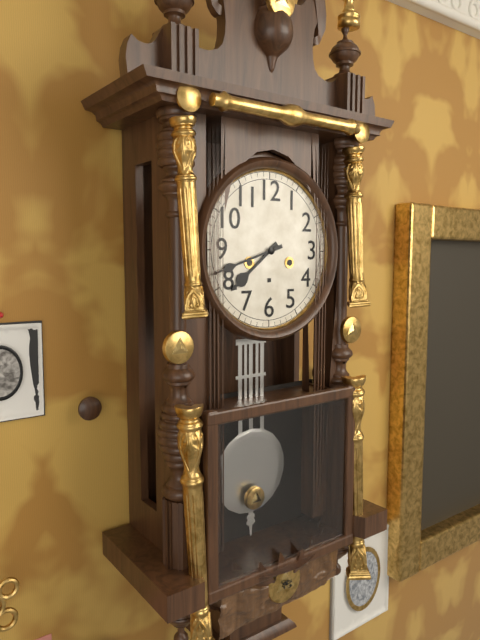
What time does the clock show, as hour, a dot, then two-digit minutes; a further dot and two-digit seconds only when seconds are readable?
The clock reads 7.42
